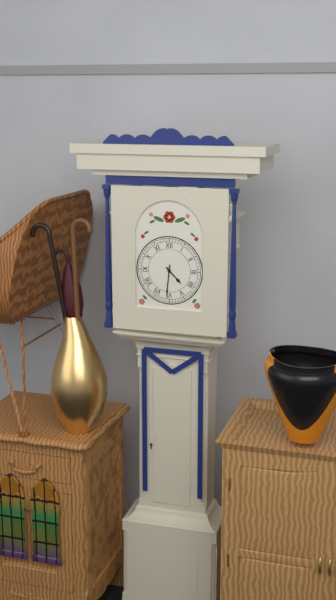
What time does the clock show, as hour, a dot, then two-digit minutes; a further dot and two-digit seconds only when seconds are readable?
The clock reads 4.31
